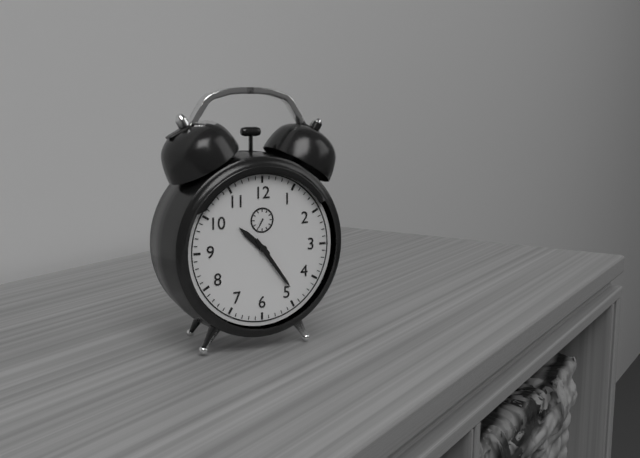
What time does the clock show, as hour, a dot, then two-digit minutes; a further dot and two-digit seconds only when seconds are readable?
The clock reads 10.24
